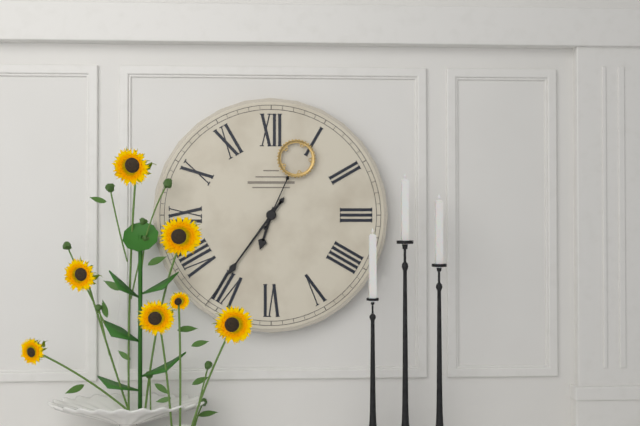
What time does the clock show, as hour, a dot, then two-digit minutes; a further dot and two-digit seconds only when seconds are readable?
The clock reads 6.36.04
